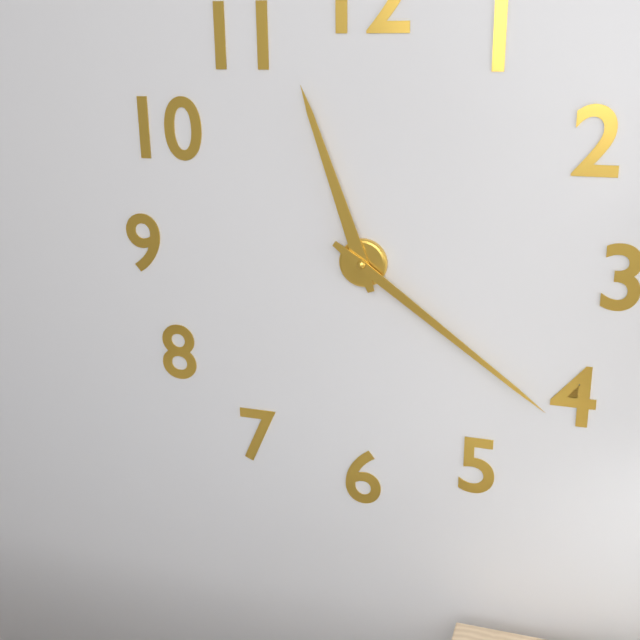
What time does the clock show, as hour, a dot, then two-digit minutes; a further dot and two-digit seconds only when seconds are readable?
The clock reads 11.21
